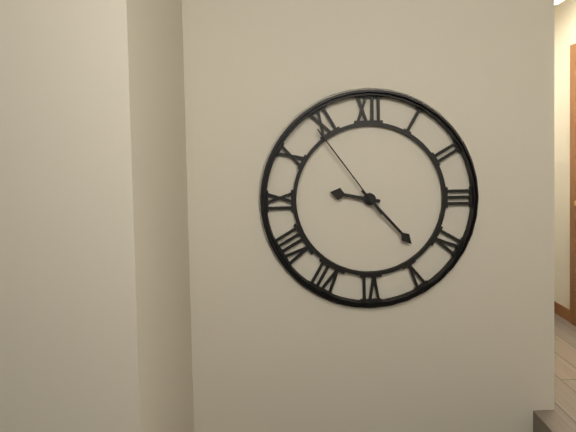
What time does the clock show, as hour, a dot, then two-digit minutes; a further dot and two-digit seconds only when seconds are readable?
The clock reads 9.23.54
